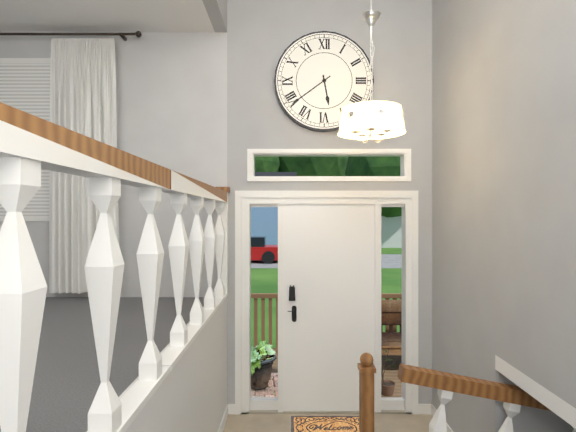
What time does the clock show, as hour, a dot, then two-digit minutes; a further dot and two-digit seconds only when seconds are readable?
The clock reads 5.39
